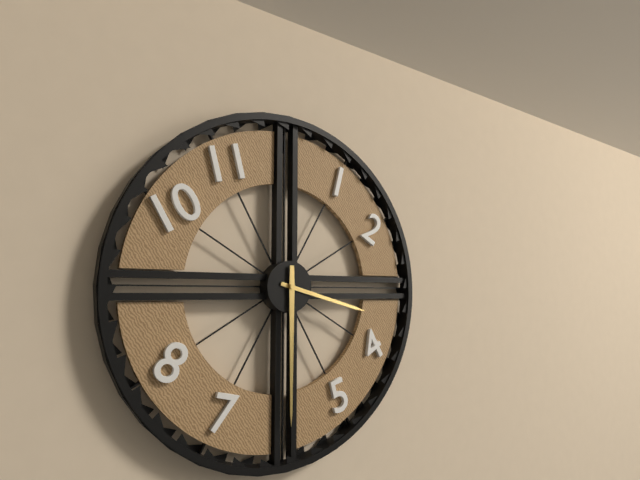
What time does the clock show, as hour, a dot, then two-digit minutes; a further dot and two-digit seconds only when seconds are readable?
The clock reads 3.30
